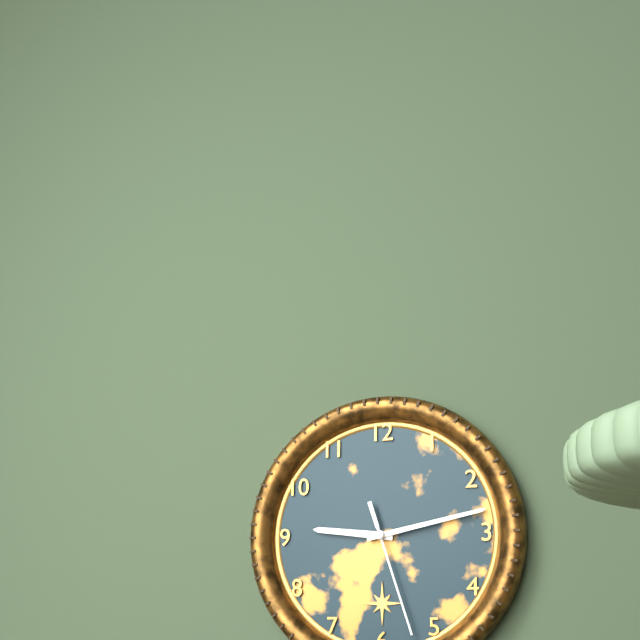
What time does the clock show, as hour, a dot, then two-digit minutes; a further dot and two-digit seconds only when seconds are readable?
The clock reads 9.13.27
